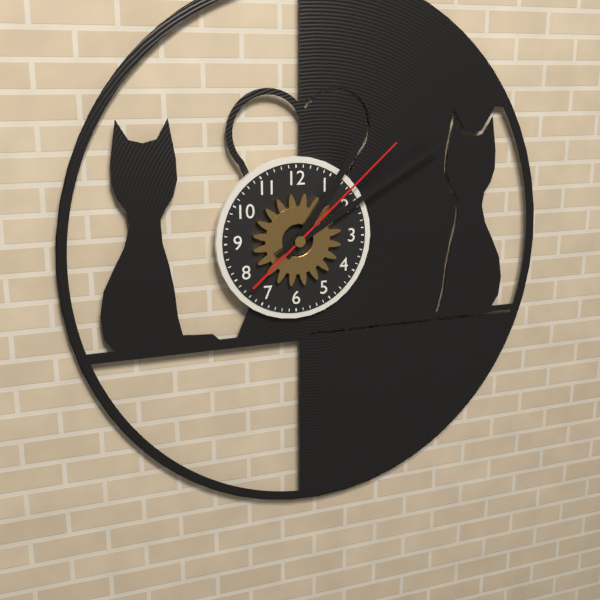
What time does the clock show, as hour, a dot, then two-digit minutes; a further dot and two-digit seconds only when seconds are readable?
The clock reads 1.10.08
